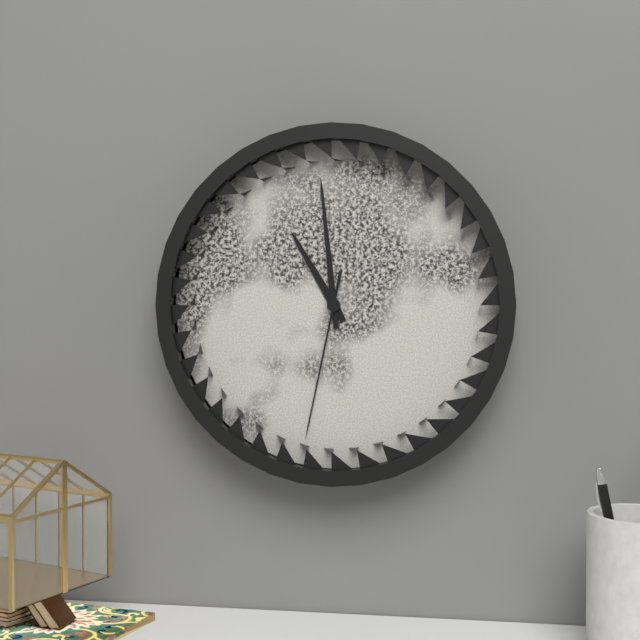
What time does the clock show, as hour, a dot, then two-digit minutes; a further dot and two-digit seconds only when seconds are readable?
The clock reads 10.59.32
